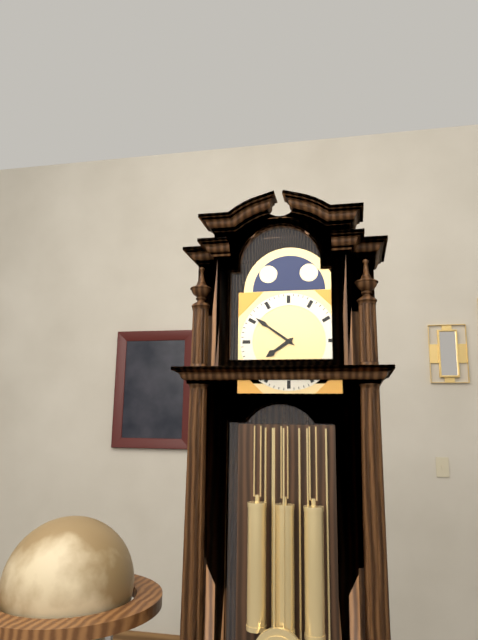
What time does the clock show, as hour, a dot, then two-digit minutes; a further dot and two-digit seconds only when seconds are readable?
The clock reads 7.51
